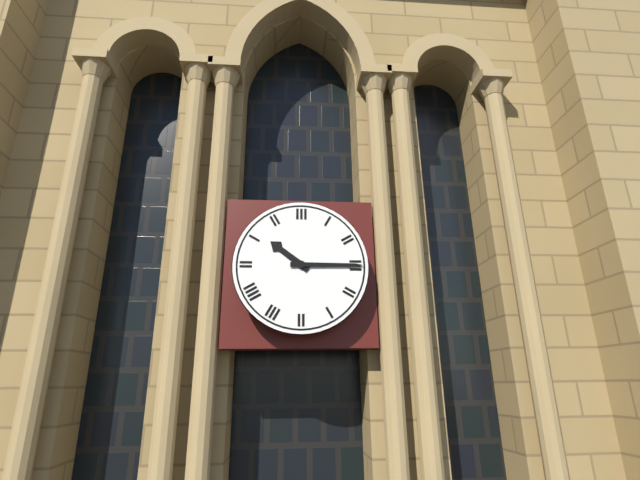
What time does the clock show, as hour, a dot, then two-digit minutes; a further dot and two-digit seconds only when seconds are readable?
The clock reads 10.15
